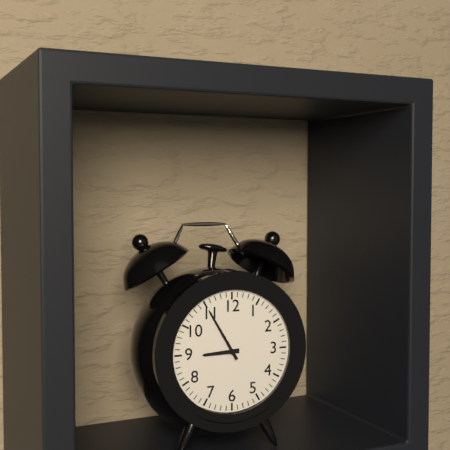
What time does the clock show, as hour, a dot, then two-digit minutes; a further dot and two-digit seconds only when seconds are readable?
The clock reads 8.55
